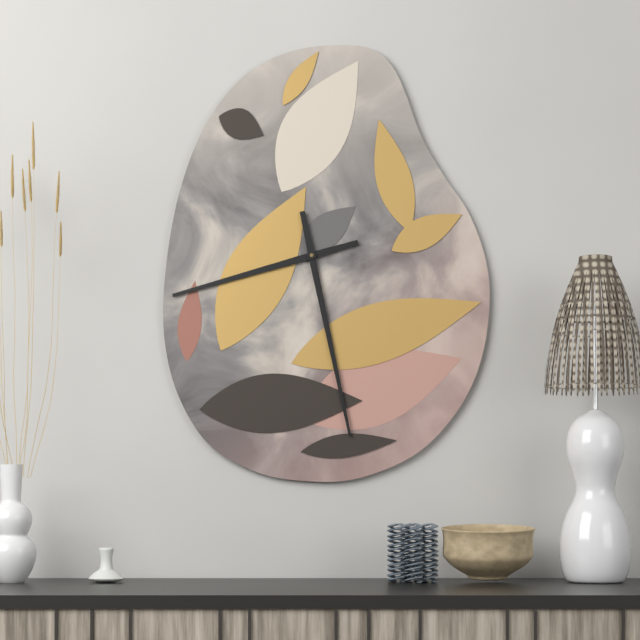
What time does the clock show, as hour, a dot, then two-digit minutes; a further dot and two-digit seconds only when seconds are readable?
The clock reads 8.28
